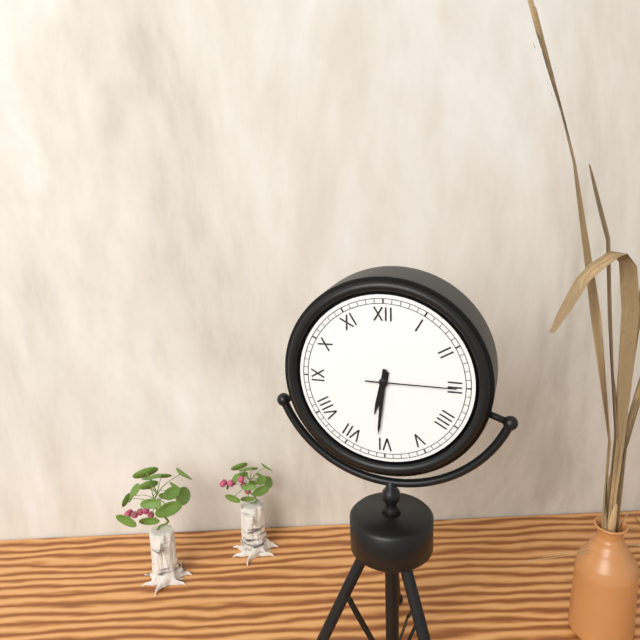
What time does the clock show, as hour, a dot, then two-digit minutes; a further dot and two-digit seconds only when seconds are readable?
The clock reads 6.31.15
